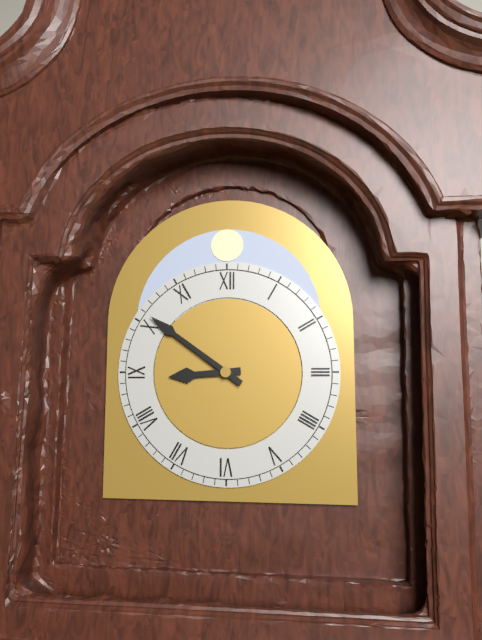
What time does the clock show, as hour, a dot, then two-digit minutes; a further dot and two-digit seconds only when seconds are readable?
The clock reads 8.51
